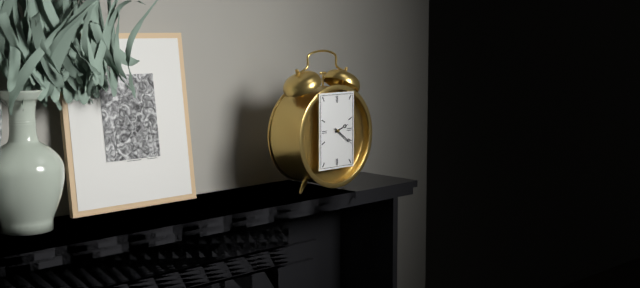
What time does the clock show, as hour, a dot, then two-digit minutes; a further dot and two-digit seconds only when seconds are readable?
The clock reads 2.21
